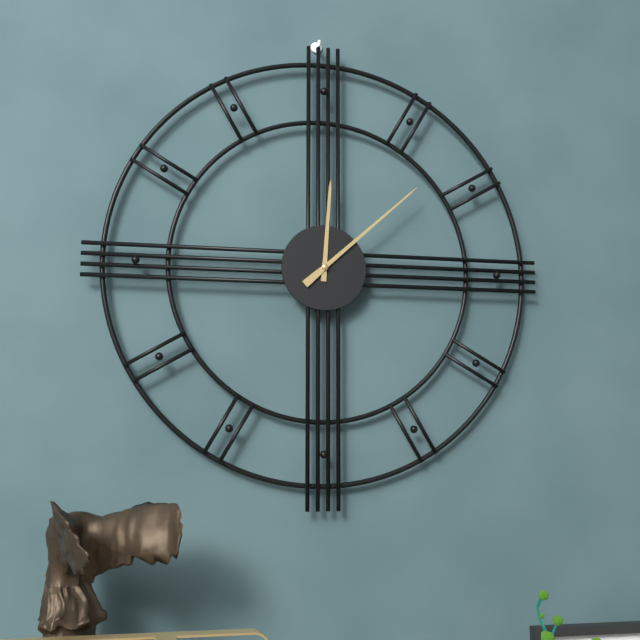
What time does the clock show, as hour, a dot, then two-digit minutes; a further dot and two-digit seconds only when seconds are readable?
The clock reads 12.08
